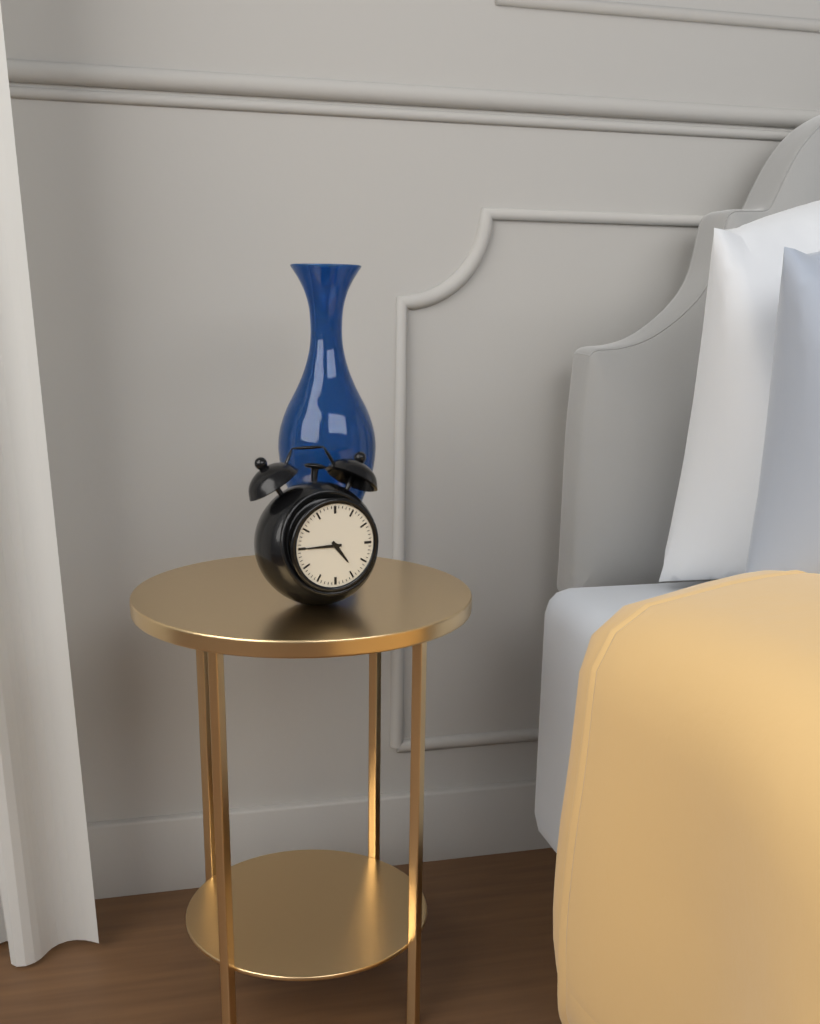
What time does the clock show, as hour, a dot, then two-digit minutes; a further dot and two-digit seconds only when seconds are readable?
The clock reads 4.45
